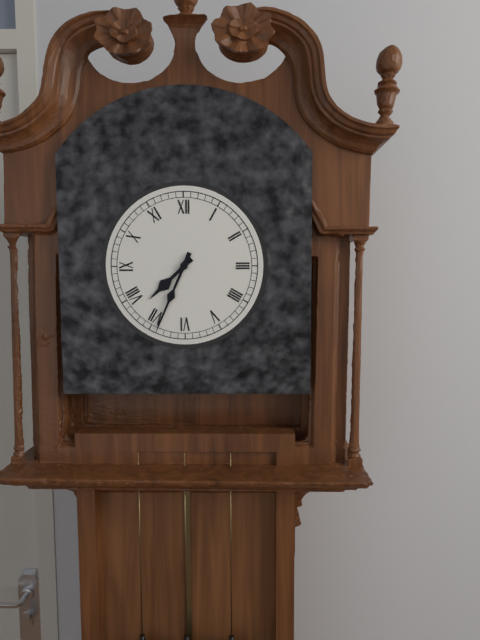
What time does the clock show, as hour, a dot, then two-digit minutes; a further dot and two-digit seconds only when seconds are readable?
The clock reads 7.34
